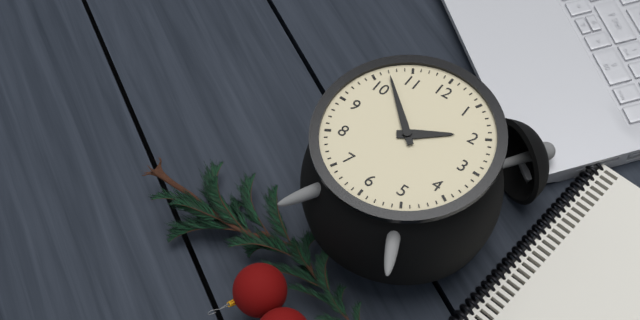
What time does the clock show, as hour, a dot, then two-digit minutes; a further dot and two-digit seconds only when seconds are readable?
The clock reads 1.52
